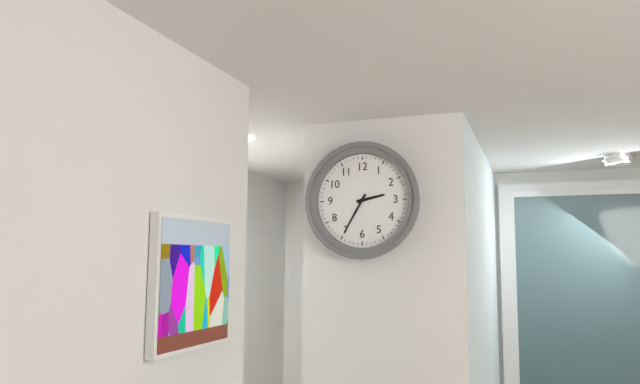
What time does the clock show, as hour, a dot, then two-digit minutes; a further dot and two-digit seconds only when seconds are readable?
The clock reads 2.35
